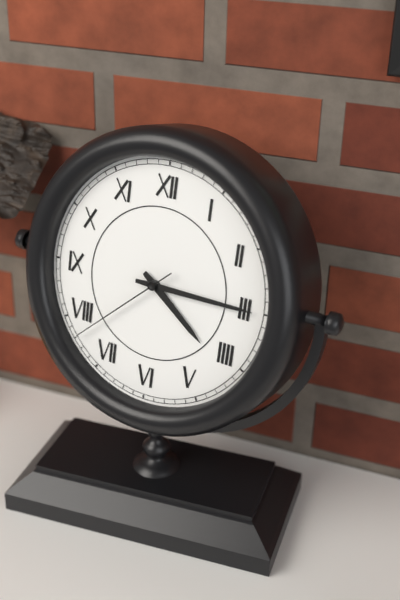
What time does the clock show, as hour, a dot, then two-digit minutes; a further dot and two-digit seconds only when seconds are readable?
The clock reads 4.15.38
